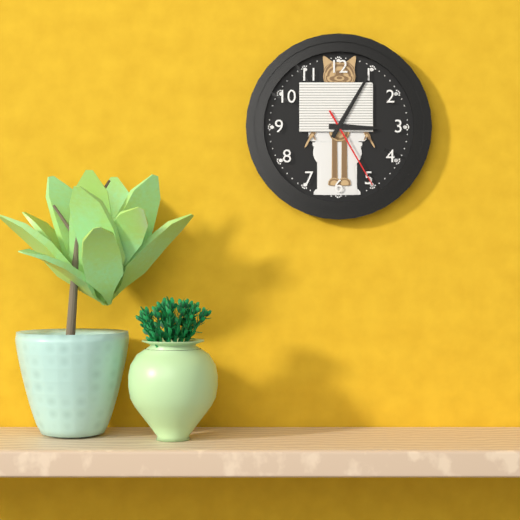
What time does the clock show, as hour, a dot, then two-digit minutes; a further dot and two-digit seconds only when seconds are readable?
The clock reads 3.05.25
